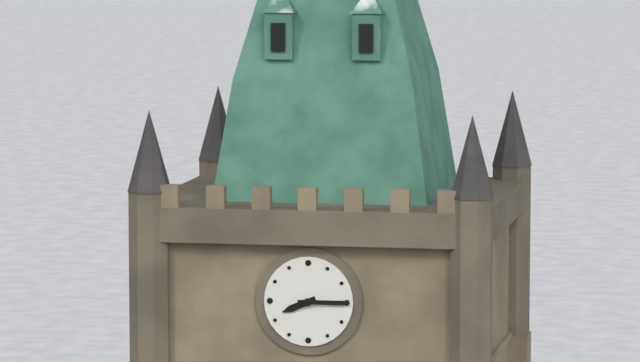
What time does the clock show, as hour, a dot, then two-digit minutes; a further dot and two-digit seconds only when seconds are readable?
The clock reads 8.15
